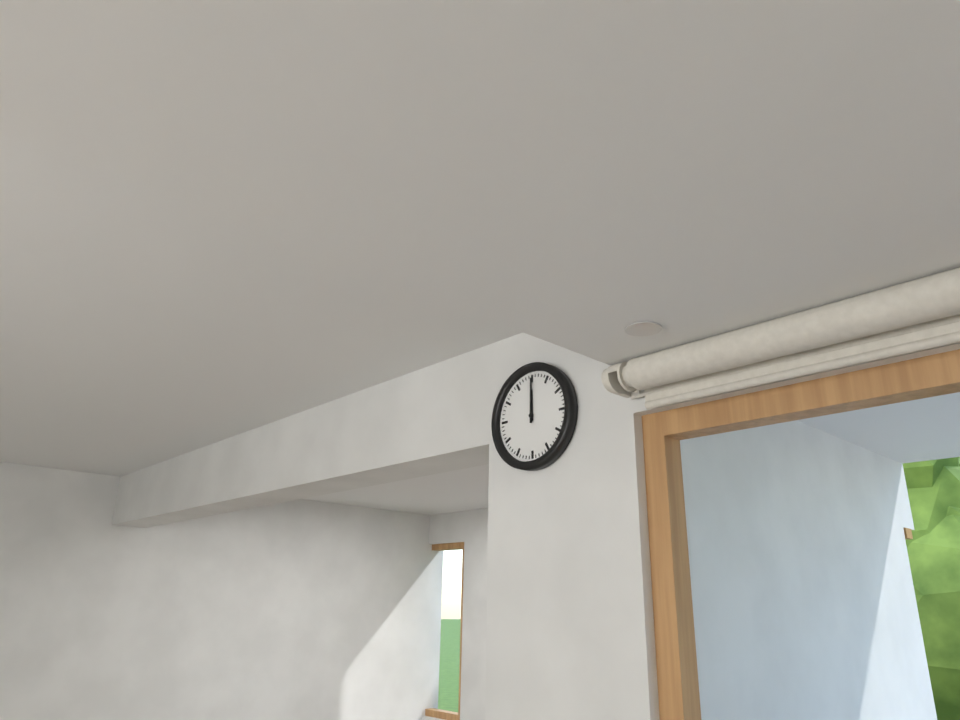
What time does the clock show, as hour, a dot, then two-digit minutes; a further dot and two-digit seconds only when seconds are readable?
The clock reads 12.00
